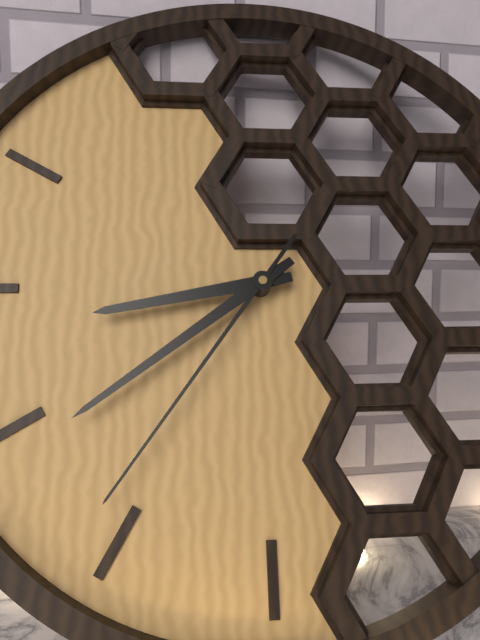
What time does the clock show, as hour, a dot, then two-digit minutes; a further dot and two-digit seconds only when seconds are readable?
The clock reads 8.39.36
